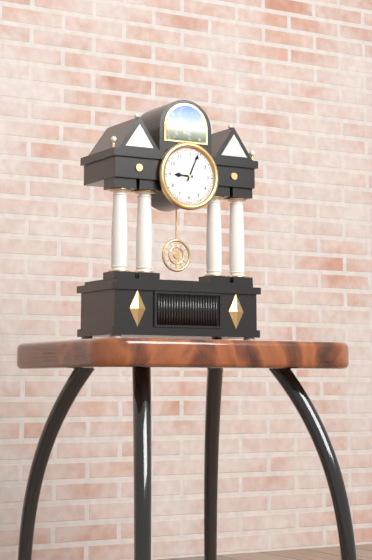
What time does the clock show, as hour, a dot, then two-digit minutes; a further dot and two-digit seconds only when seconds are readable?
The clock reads 9.04
